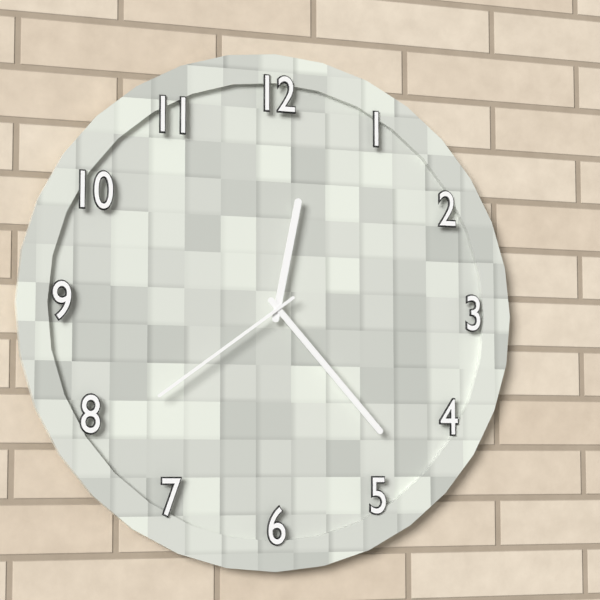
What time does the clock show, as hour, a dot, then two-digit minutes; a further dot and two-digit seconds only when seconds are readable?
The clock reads 12.23.39
